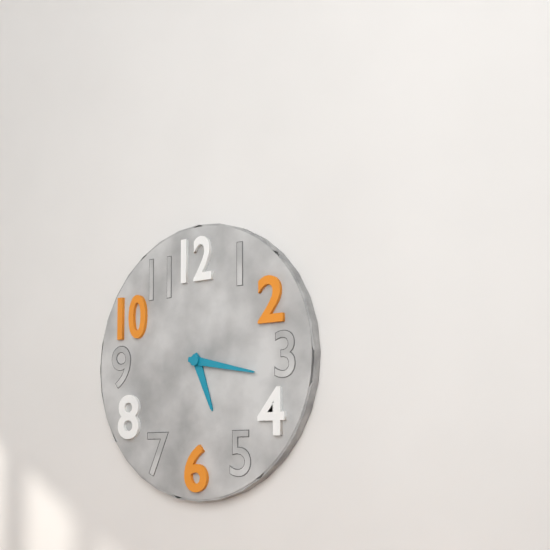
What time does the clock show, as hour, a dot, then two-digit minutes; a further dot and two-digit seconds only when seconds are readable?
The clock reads 5.17
